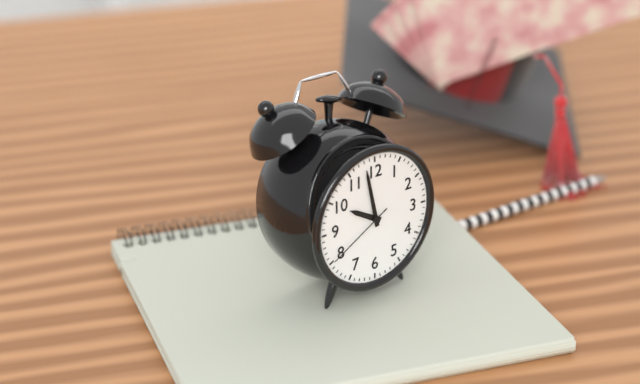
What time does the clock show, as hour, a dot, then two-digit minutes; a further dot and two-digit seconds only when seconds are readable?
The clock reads 9.58.40
